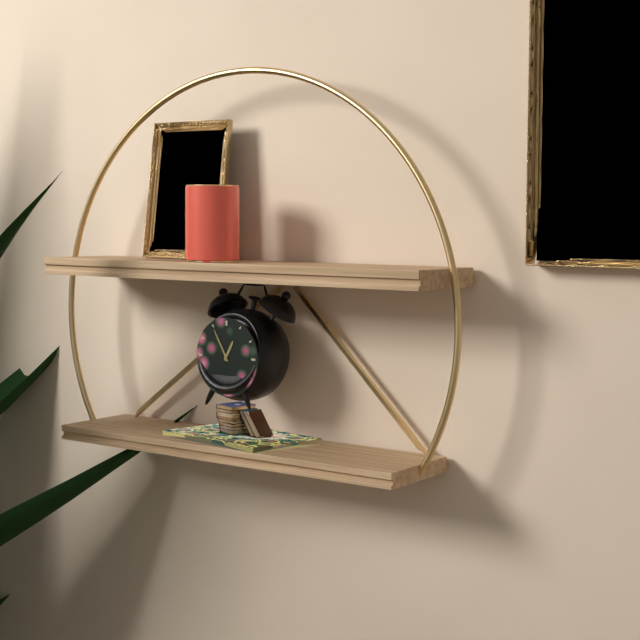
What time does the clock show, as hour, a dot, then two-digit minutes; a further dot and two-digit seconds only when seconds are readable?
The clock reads 12.55
